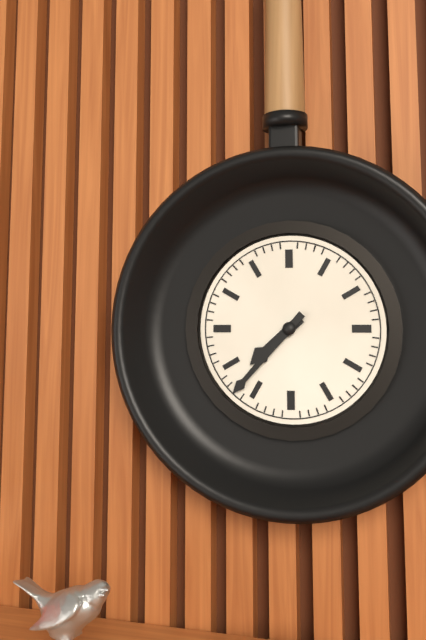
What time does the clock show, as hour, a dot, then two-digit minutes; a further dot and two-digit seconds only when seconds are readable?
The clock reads 7.37
